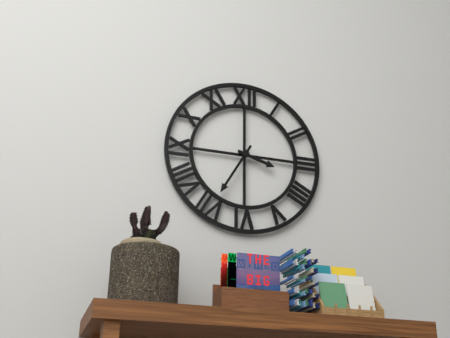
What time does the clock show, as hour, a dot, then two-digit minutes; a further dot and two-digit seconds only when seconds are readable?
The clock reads 3.35
